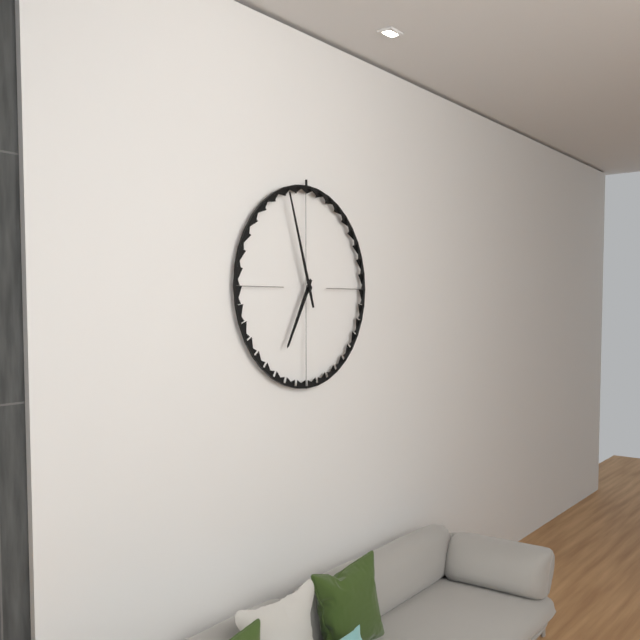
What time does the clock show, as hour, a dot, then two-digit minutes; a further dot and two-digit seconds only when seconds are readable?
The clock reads 6.57
